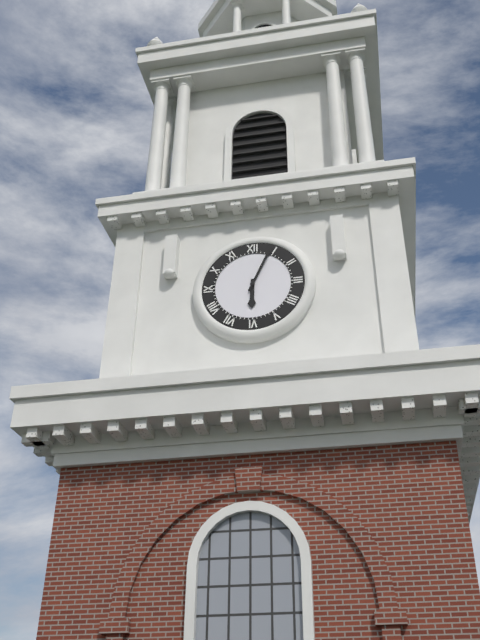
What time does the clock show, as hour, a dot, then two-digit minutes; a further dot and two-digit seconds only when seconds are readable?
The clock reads 6.04
